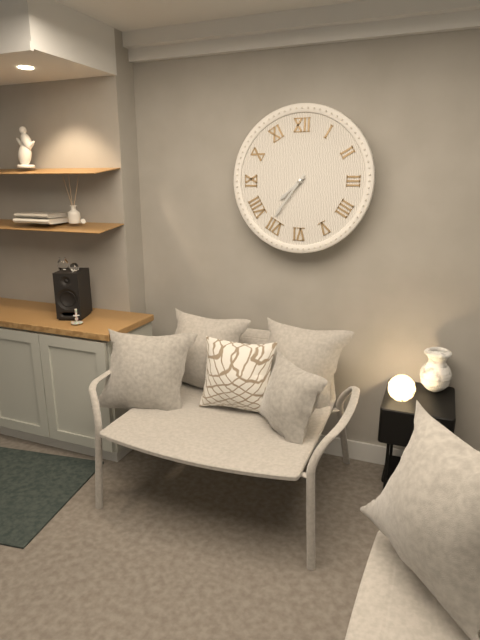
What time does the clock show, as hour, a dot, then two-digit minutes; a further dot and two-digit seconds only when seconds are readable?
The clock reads 7.36
